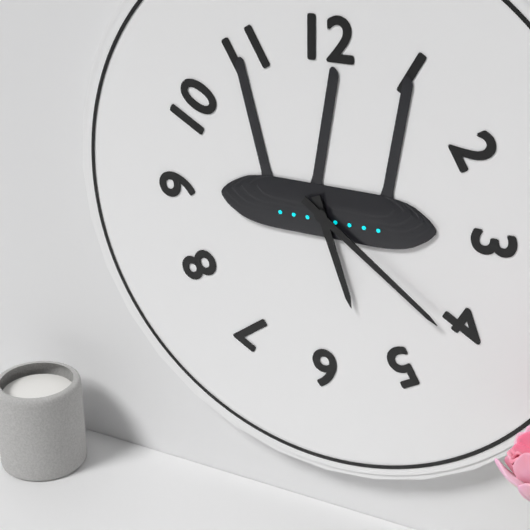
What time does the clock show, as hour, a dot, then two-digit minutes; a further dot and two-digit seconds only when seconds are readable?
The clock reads 5.21
